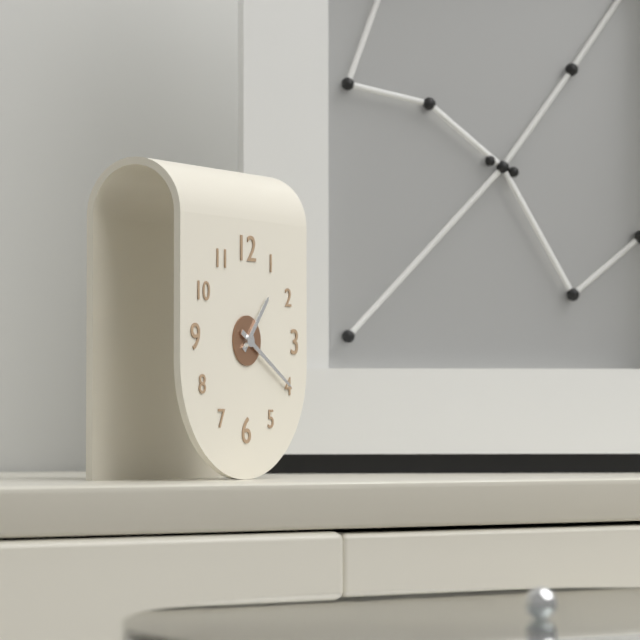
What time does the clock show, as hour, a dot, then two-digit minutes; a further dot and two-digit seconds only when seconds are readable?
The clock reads 1.20
